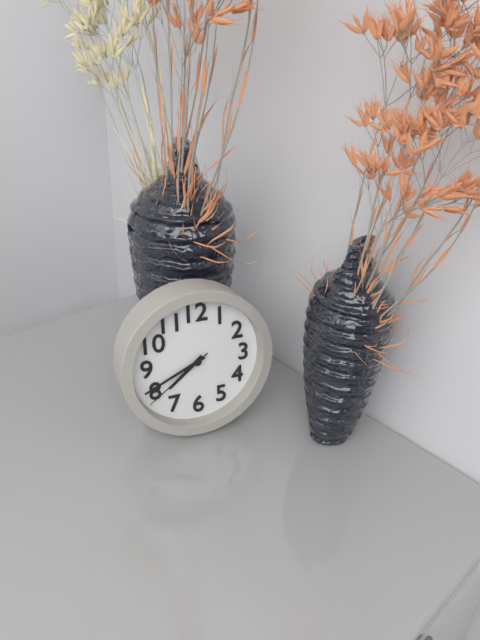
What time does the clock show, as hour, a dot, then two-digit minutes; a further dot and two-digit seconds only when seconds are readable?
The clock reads 7.41.39
